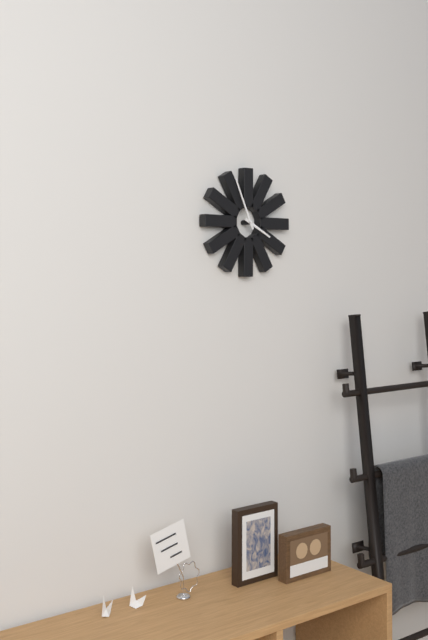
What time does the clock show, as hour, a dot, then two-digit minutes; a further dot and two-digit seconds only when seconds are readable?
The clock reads 3.56
